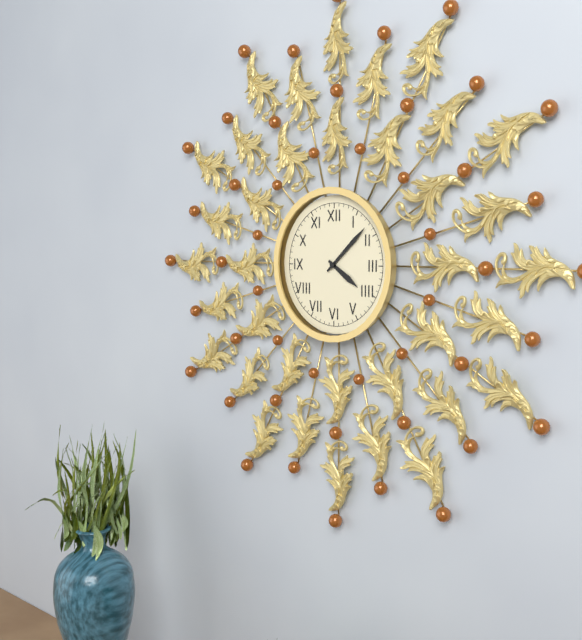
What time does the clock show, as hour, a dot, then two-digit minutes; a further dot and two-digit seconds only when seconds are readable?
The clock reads 4.08
